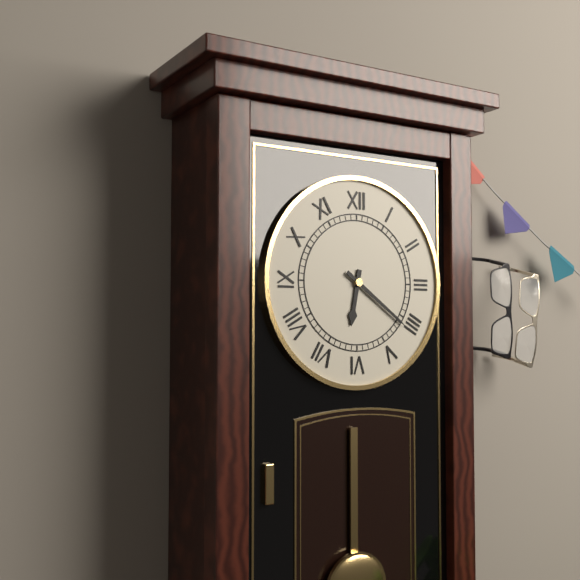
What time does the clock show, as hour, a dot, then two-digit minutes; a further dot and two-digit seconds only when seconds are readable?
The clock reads 6.21
